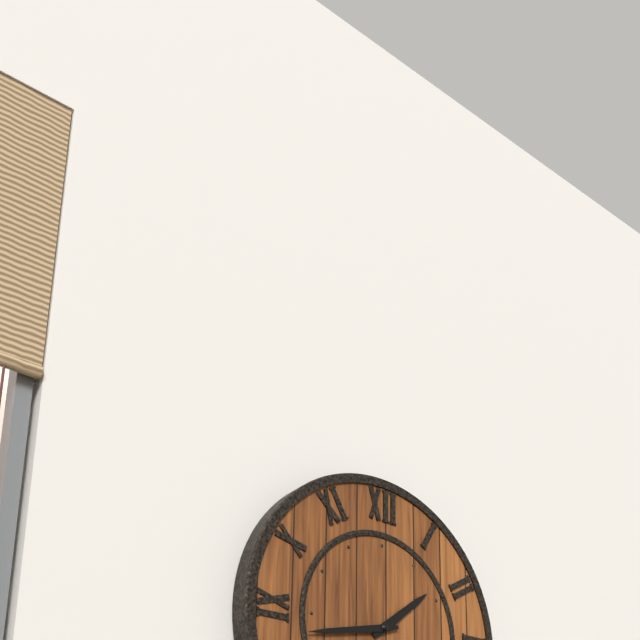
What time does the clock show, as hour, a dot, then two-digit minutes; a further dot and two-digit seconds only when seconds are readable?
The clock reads 1.43
